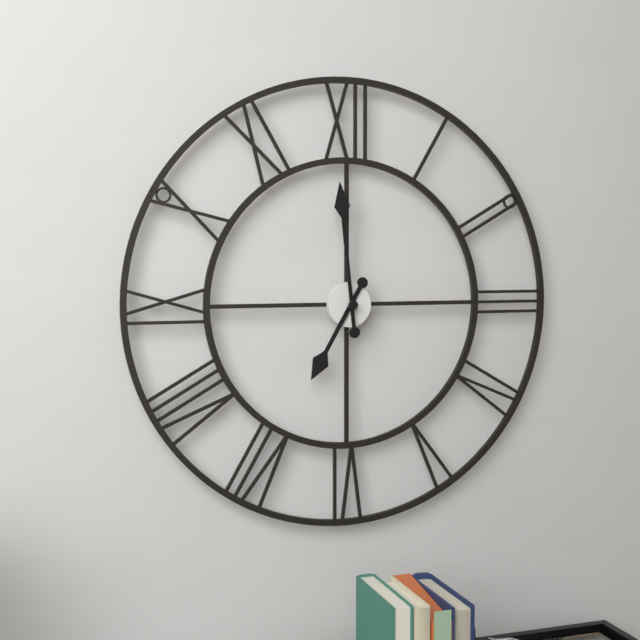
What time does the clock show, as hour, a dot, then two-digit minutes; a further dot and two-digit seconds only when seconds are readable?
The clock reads 6.59
